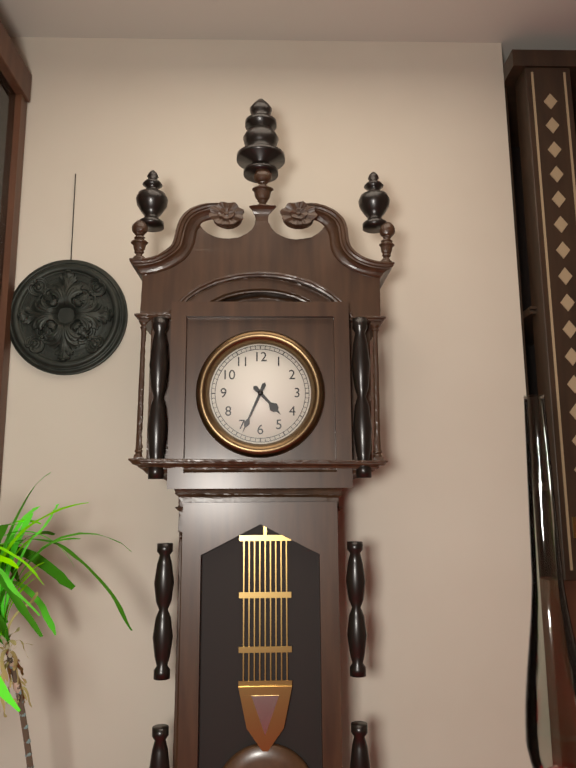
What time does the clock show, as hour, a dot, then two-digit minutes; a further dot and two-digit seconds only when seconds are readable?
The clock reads 4.34
